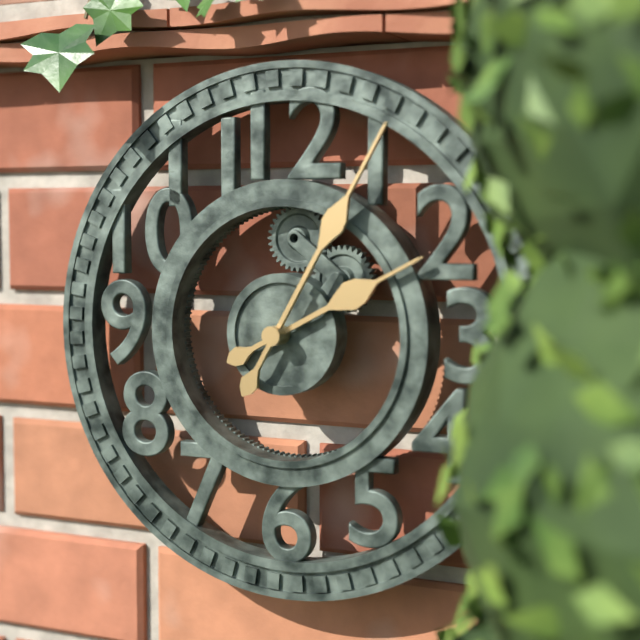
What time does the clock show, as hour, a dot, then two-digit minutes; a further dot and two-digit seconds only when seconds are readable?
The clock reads 2.05
